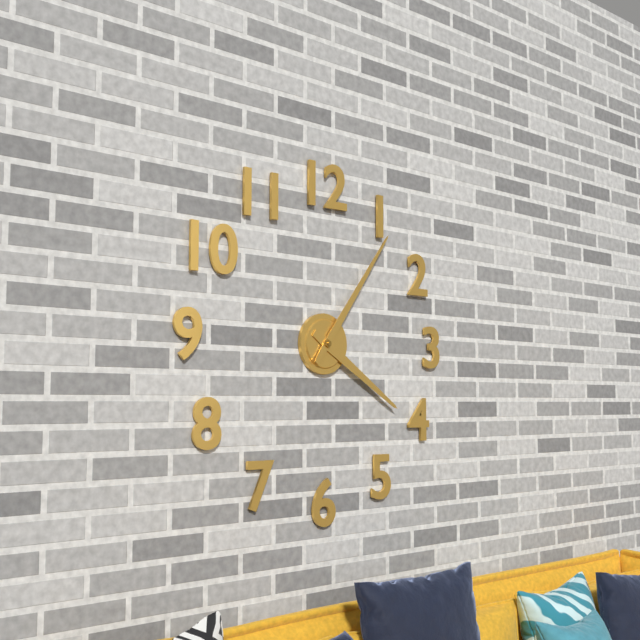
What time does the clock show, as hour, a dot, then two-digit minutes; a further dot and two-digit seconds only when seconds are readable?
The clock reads 4.06
